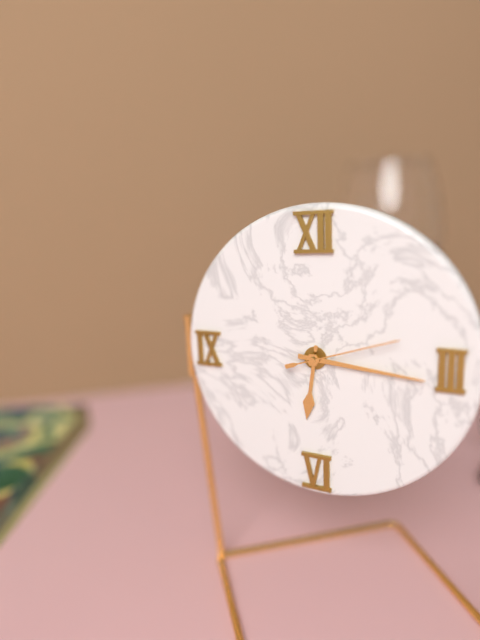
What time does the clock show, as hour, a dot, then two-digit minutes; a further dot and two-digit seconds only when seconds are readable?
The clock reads 6.16.12
